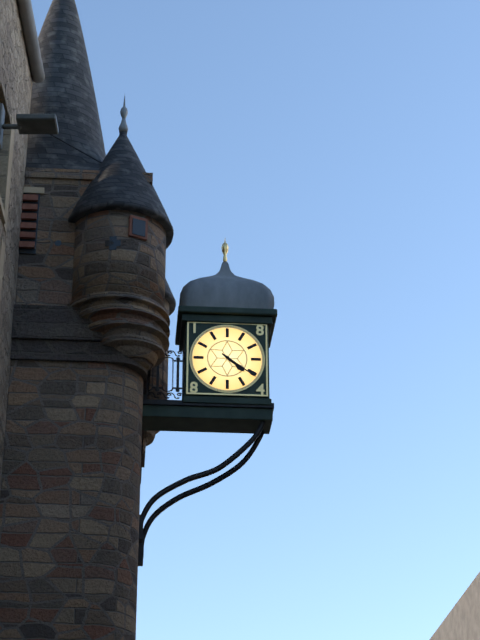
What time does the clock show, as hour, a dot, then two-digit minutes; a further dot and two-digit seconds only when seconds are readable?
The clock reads 4.21
